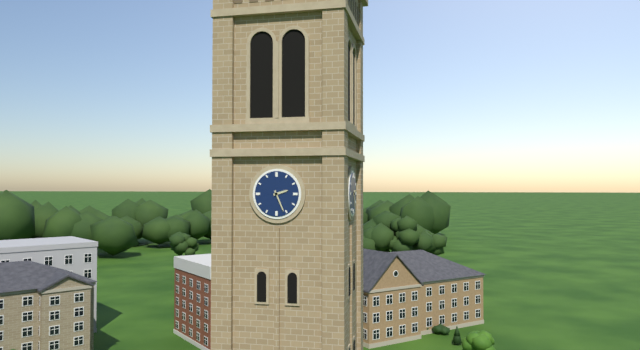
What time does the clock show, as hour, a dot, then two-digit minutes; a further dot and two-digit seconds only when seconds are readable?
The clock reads 2.26
